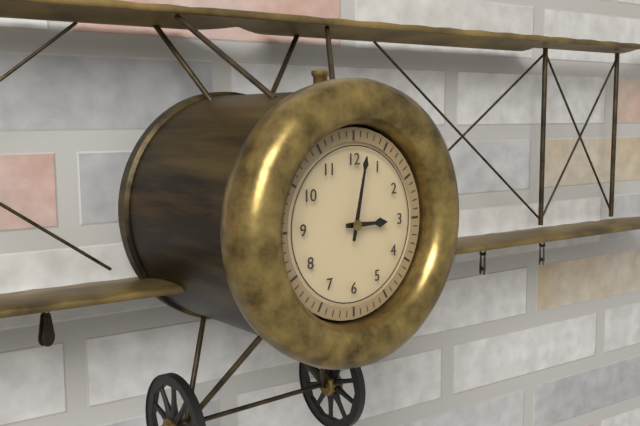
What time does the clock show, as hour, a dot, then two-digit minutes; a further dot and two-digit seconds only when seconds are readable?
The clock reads 3.02
